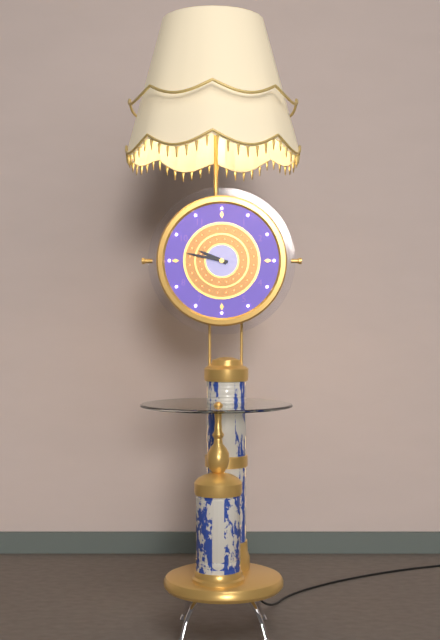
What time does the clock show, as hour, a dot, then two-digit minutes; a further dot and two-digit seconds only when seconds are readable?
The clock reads 9.47
